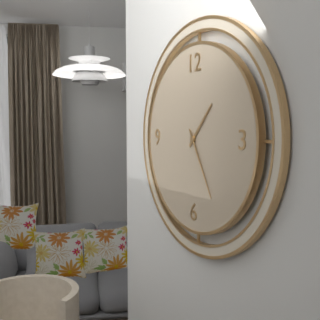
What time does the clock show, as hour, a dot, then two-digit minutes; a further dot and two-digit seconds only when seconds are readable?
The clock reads 1.25
